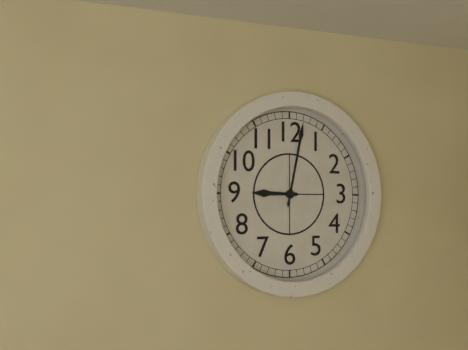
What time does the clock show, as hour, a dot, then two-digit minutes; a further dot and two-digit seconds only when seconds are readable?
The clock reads 9.02
